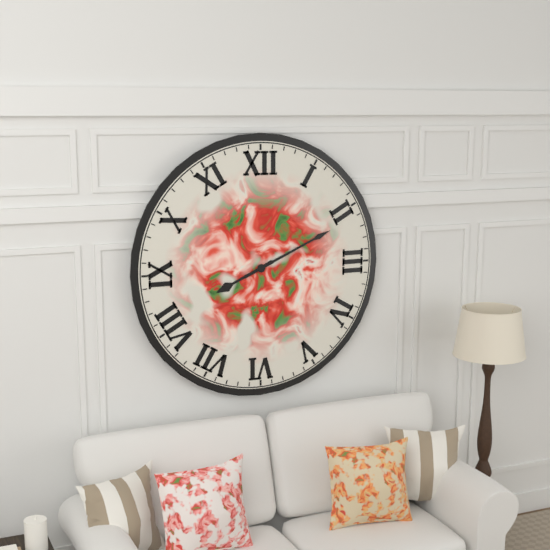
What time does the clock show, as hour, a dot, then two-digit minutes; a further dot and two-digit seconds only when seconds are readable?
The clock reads 8.11
